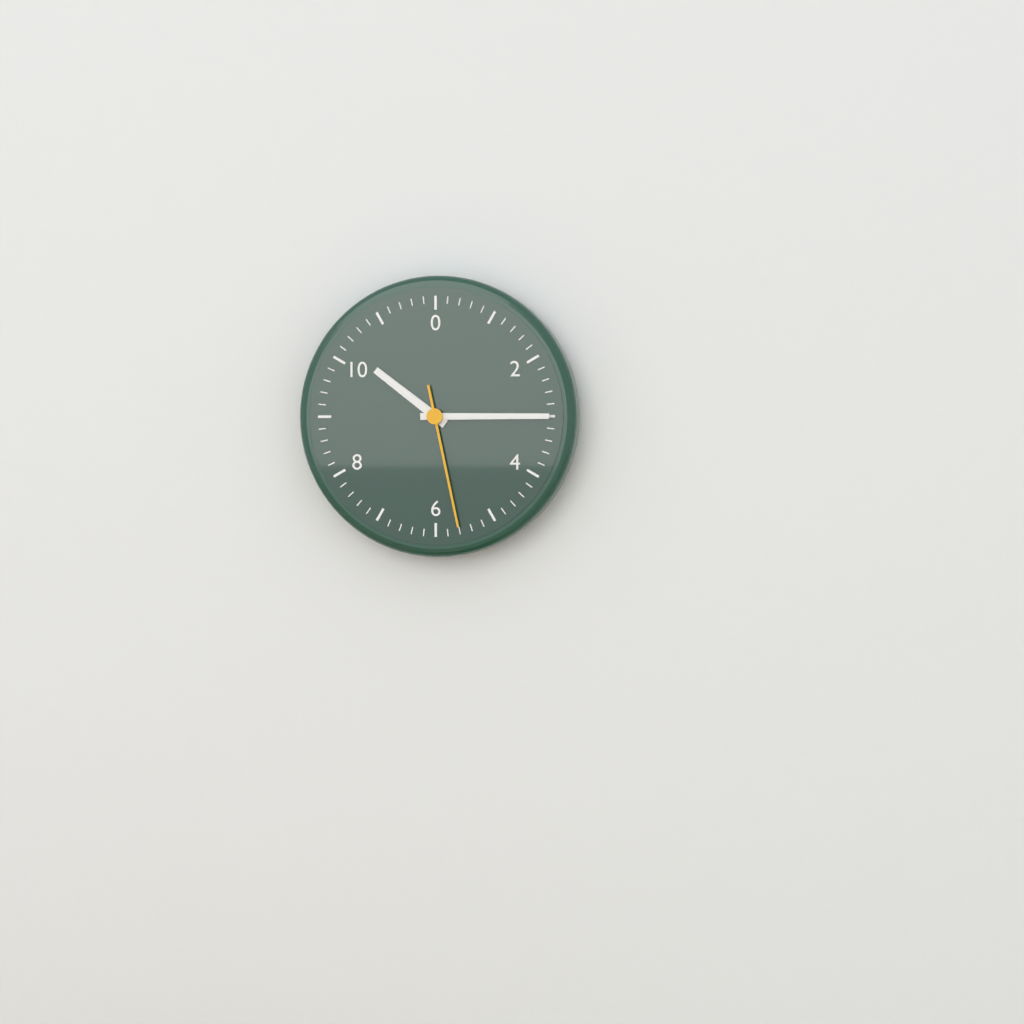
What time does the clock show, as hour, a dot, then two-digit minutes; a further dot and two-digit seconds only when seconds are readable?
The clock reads 10.15.28
